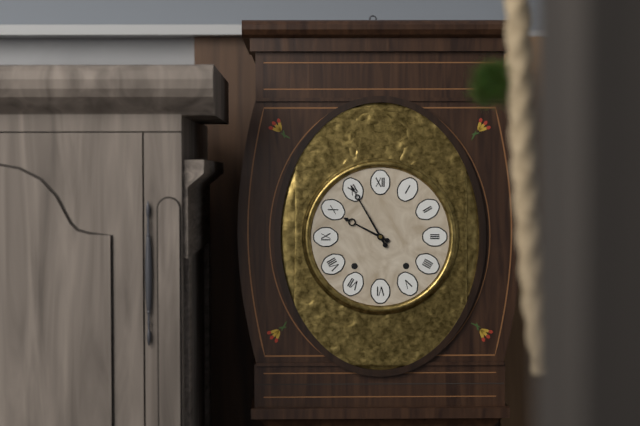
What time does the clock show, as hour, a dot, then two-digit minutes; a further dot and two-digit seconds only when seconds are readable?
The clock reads 9.55
